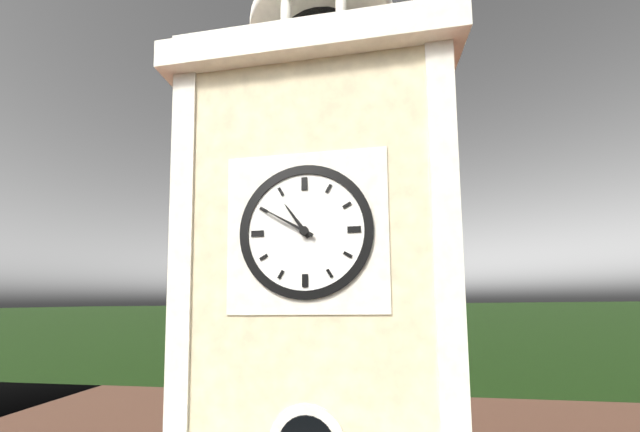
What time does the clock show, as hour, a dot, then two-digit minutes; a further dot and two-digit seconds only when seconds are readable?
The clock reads 10.50
